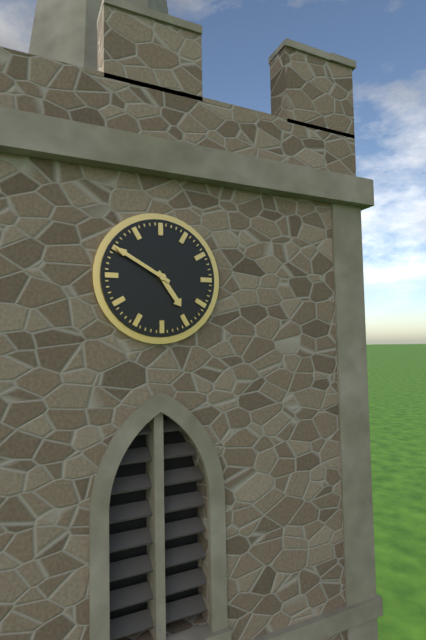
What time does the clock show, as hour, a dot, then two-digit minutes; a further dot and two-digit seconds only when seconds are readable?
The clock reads 4.50
